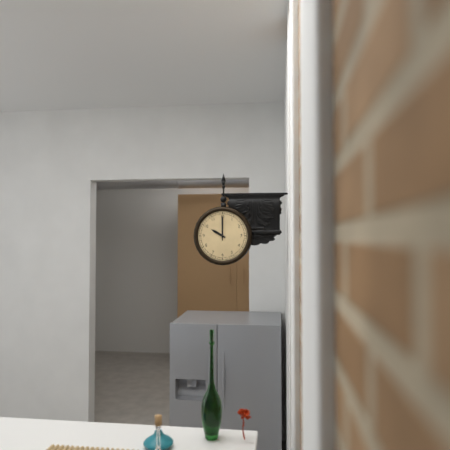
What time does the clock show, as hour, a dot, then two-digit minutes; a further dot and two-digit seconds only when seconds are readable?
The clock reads 10.00
